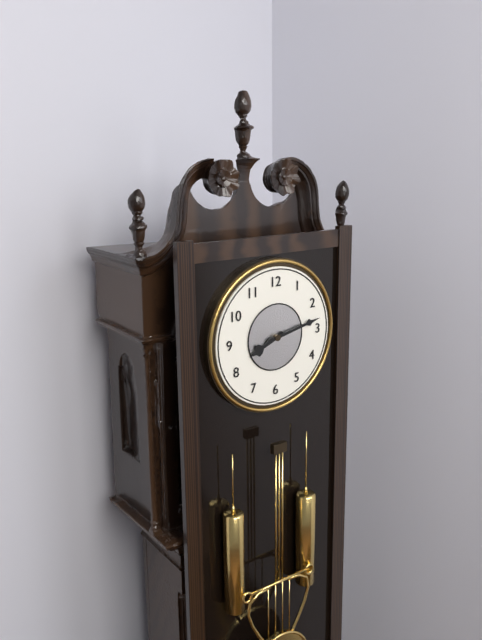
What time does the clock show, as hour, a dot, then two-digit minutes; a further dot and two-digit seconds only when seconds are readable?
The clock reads 8.13
